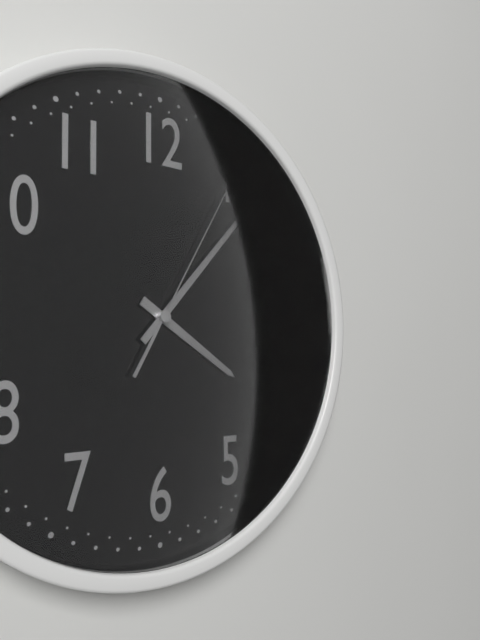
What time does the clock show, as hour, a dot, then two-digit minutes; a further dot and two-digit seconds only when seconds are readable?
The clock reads 4.07.05
